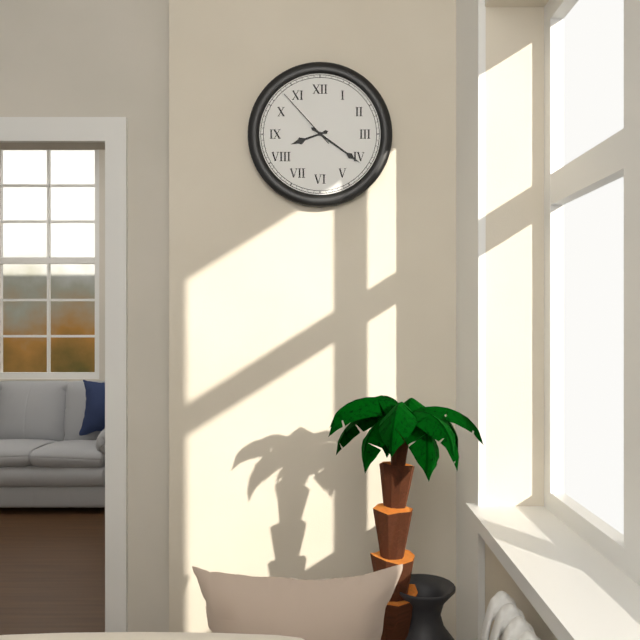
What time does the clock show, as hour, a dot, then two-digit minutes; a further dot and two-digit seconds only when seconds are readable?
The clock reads 8.21.53
